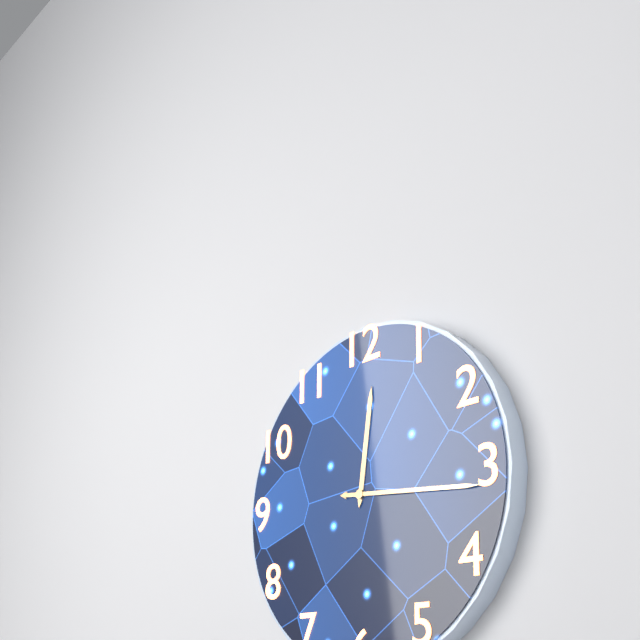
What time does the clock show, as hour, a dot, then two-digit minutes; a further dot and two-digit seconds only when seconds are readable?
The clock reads 12.16
